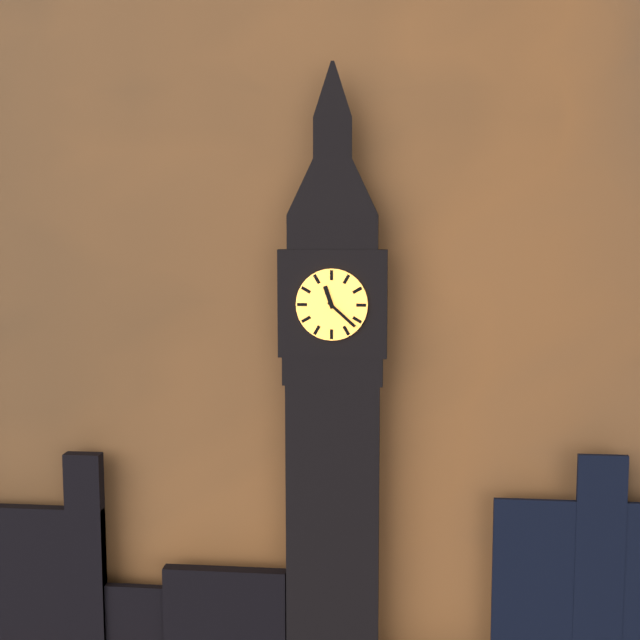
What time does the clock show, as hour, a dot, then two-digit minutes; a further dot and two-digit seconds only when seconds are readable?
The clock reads 11.22
